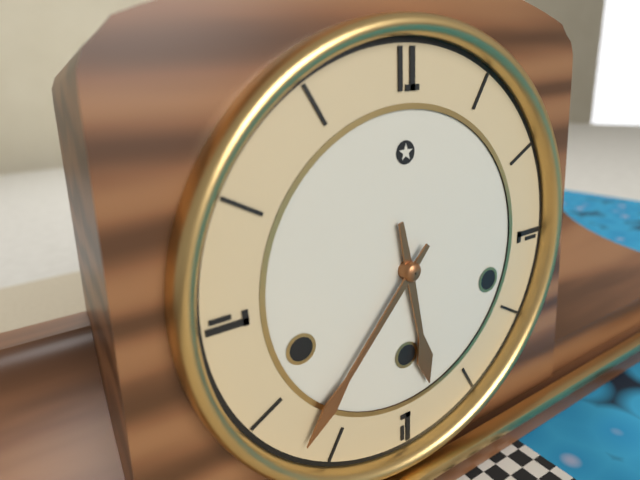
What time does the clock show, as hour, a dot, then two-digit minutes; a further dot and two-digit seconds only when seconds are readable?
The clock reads 5.37
